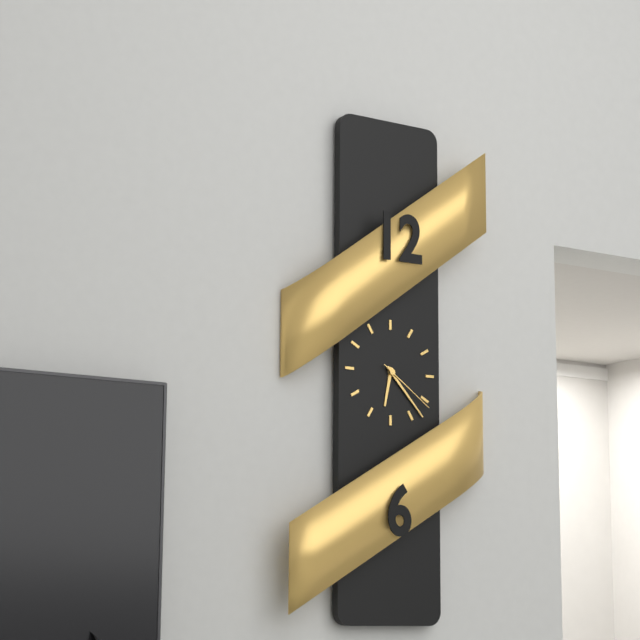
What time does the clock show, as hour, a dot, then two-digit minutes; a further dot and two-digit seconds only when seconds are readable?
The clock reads 6.23.21
